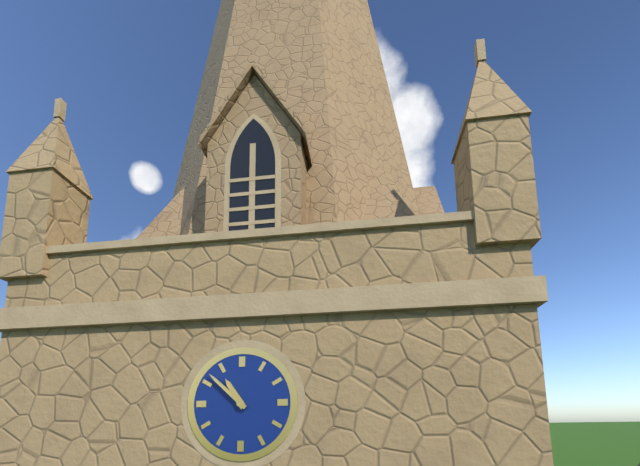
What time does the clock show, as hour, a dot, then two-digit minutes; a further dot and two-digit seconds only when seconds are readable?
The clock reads 10.52
